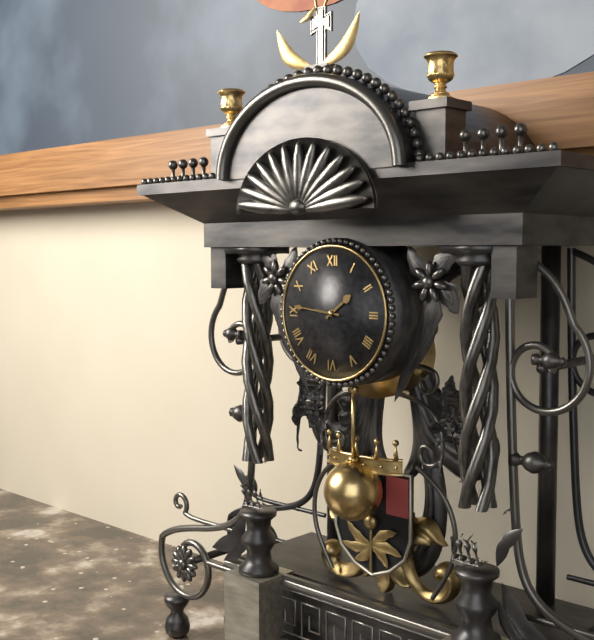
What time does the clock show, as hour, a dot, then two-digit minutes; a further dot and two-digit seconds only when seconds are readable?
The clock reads 1.46
